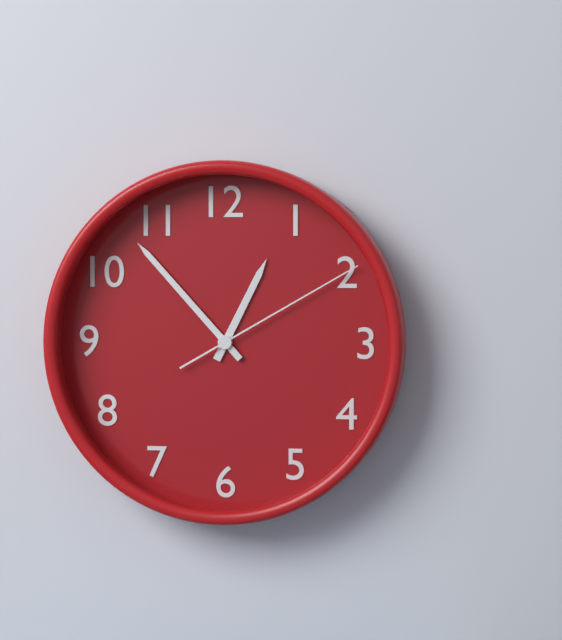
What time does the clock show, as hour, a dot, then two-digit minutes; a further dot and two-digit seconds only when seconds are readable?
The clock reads 12.53.10
